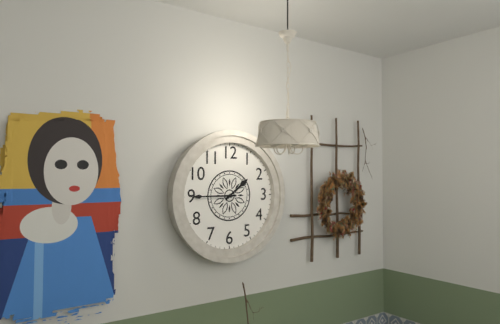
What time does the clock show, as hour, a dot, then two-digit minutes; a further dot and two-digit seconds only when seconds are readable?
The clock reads 1.45
